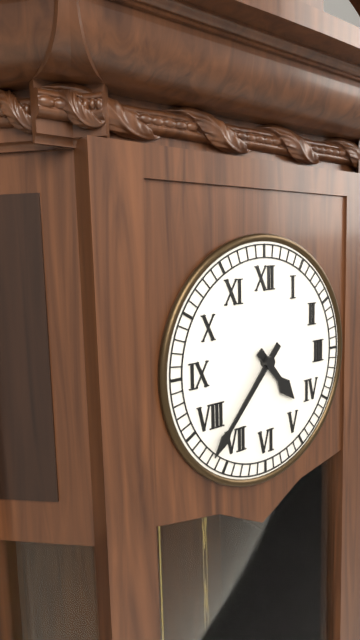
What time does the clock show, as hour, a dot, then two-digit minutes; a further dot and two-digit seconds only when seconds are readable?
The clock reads 4.37
